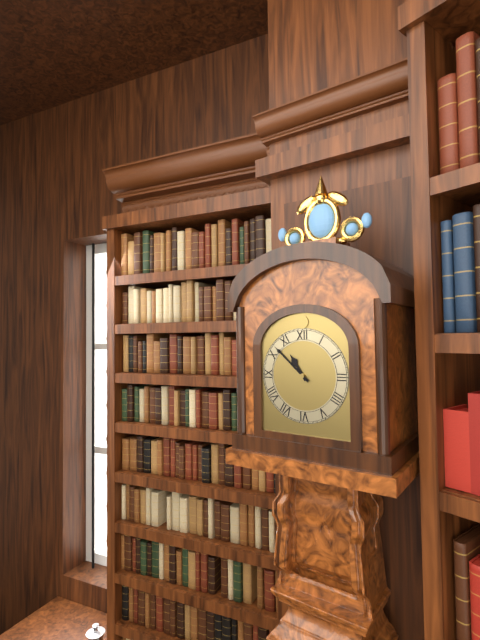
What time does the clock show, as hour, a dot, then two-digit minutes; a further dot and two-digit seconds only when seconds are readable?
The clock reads 10.52
